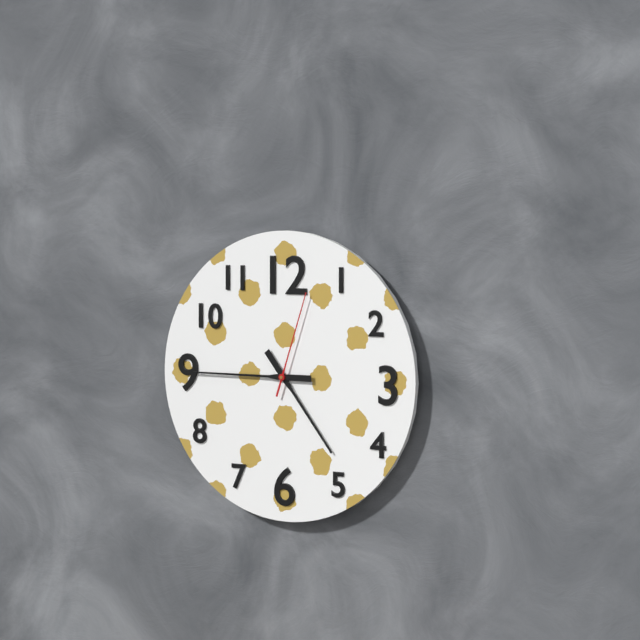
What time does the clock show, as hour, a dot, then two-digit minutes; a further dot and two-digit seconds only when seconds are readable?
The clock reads 4.45.03
